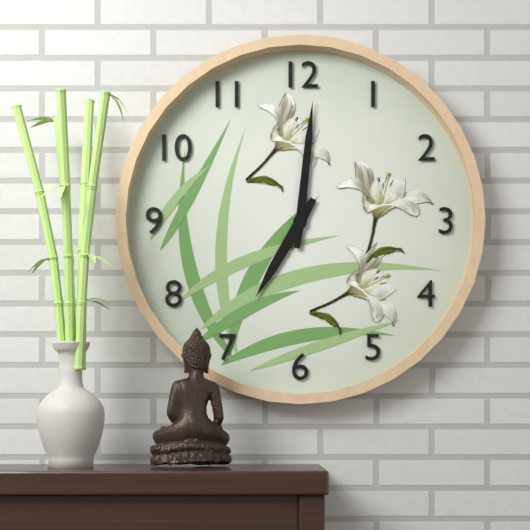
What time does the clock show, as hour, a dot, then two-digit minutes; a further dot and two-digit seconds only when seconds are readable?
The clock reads 7.01
